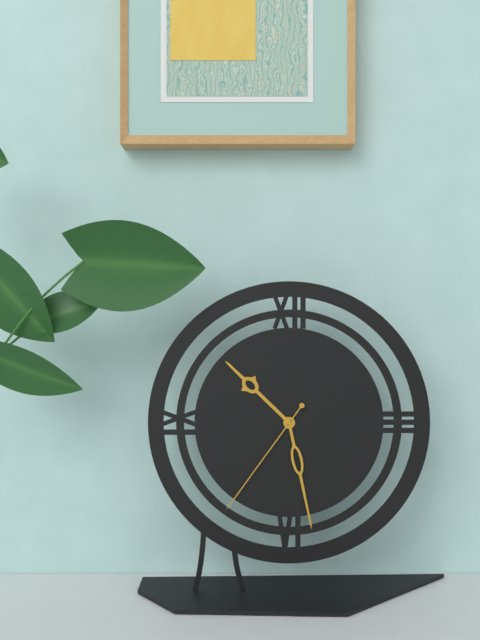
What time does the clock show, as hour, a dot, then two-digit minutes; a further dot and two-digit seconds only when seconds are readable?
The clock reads 10.28.36
